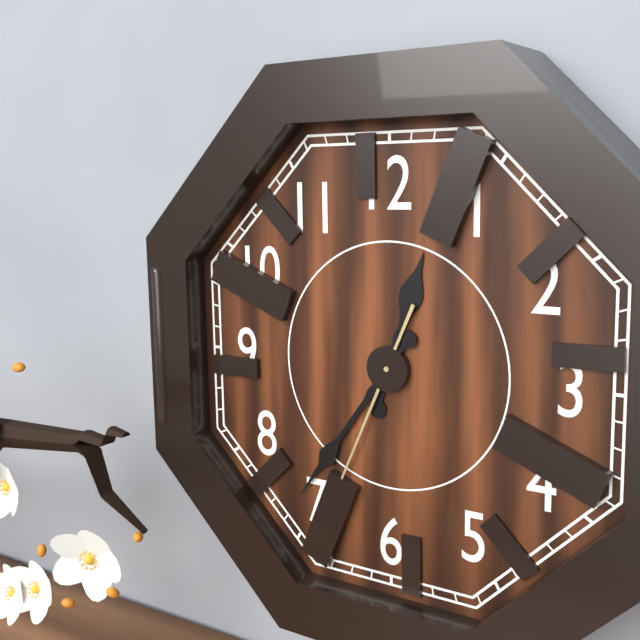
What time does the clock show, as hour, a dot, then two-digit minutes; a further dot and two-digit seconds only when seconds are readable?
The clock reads 12.36
